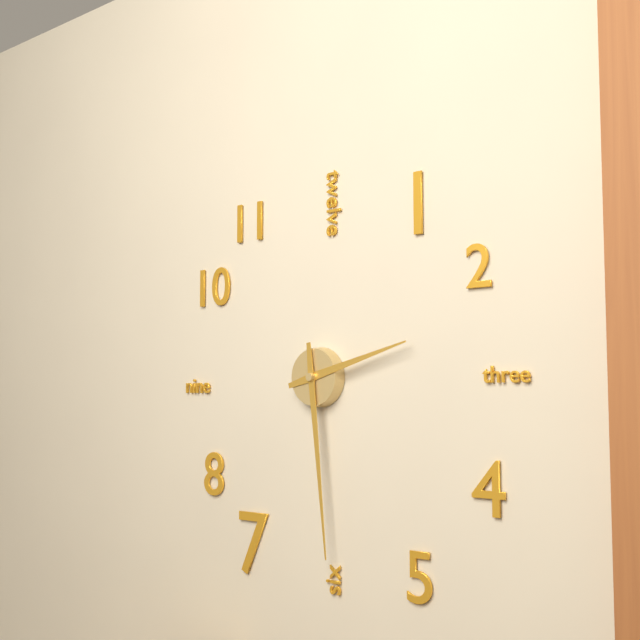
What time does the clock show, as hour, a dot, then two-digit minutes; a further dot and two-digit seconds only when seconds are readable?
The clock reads 2.29
